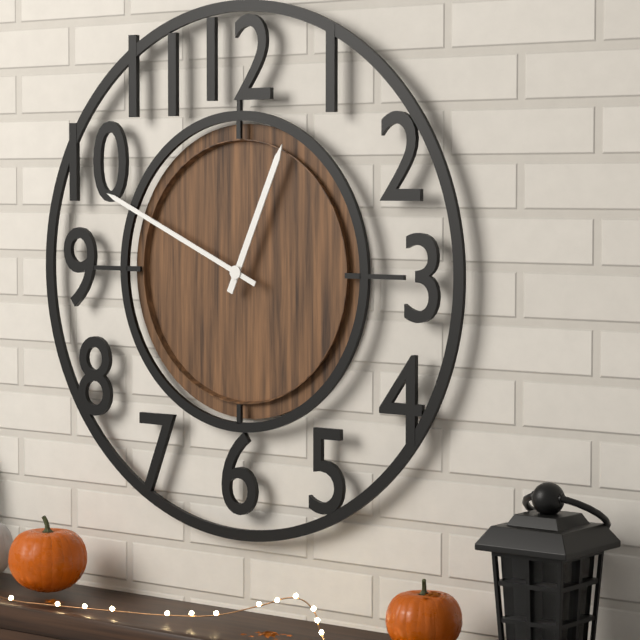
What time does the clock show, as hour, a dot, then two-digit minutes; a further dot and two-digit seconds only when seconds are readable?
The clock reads 12.49
